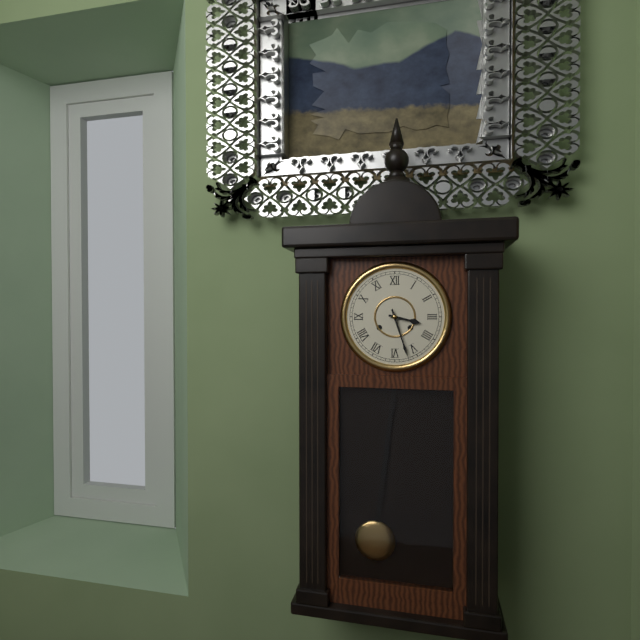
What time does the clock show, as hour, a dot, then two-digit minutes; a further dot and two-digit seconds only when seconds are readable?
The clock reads 3.27
